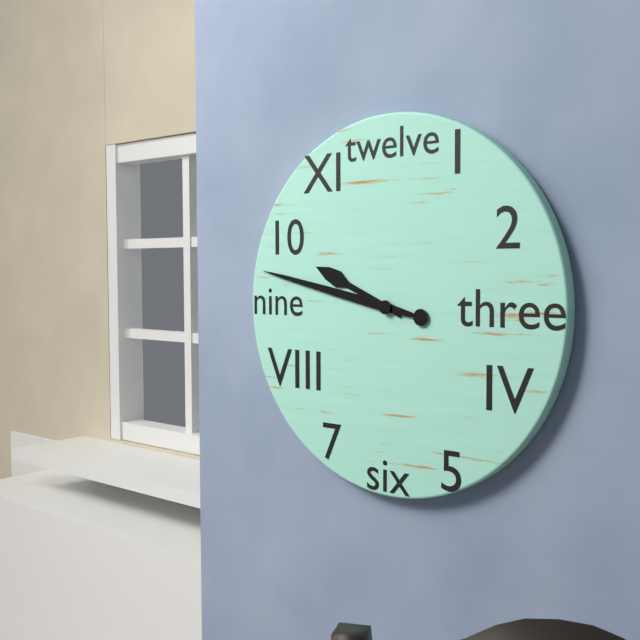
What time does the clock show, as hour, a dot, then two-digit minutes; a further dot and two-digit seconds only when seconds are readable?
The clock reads 9.47
